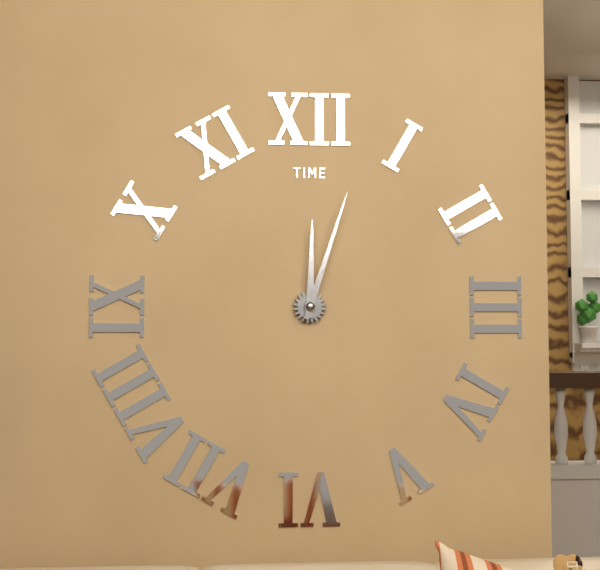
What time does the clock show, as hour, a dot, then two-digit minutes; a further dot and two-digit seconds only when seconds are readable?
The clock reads 12.03
